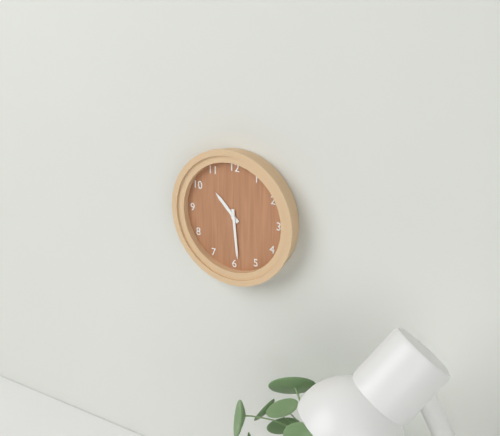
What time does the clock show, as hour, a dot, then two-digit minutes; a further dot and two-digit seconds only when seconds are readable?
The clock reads 10.29
